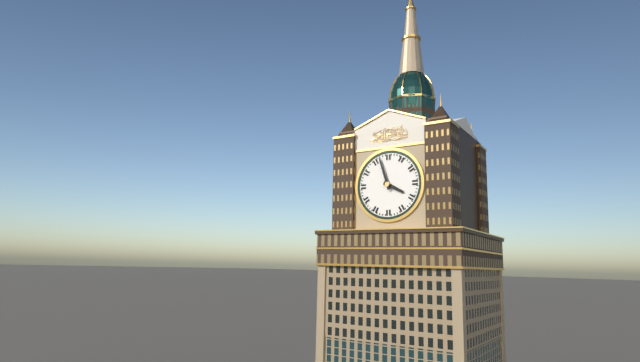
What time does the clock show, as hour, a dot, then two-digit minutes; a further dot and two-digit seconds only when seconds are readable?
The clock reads 3.57
